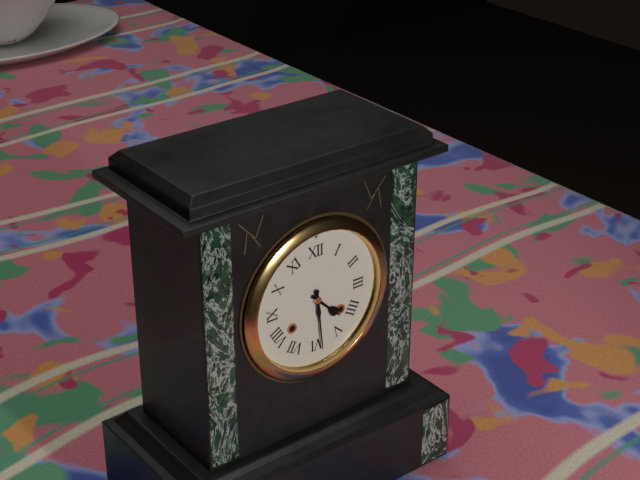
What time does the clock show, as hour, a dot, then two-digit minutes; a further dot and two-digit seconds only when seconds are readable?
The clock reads 4.29
